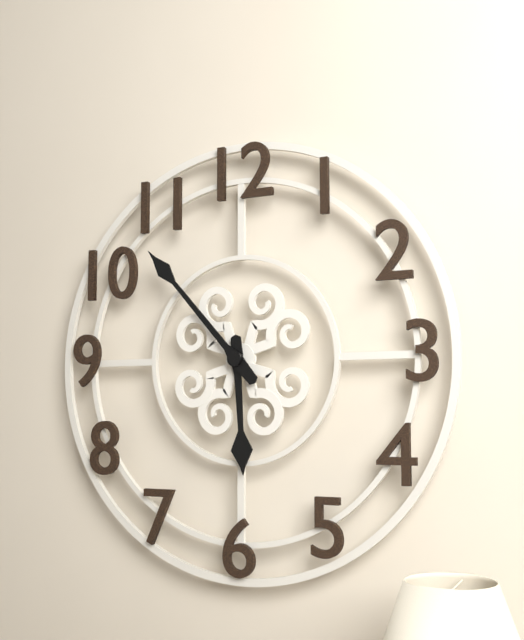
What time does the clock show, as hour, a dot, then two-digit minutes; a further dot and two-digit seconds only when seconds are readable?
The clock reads 5.53
